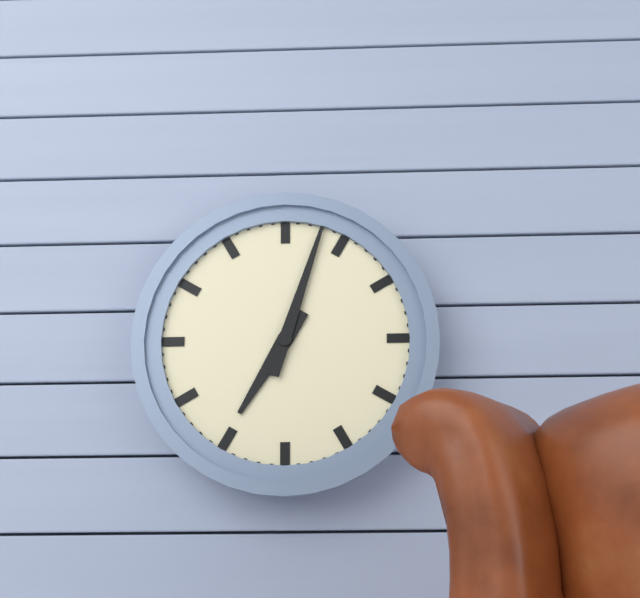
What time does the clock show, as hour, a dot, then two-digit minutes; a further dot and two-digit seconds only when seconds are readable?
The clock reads 7.03
